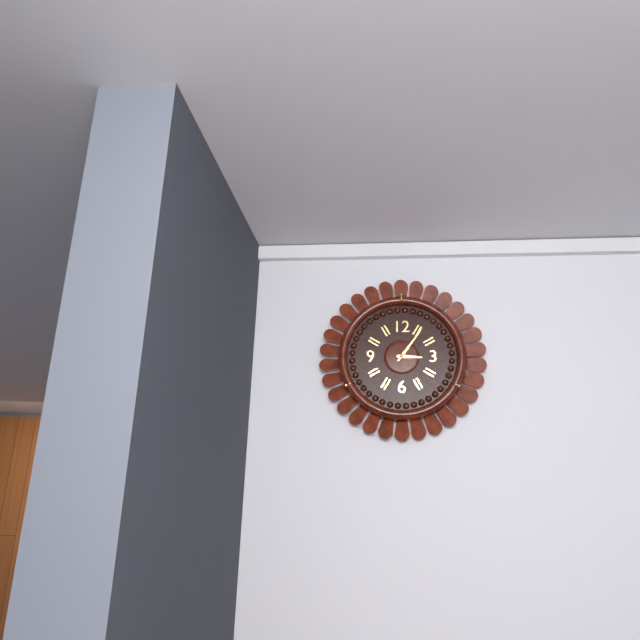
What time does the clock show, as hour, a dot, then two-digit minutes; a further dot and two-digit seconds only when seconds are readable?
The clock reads 3.06
